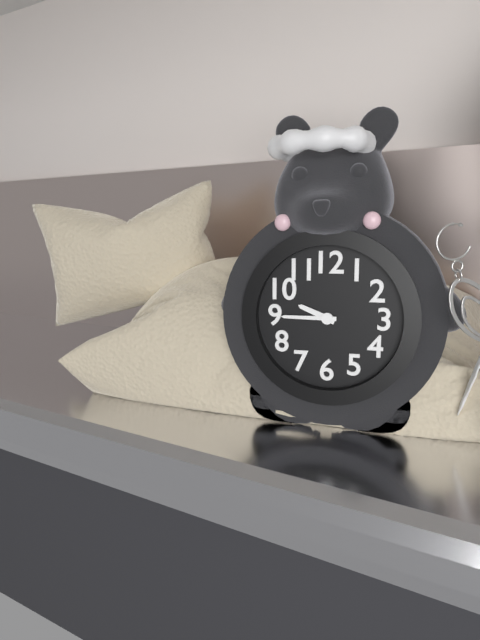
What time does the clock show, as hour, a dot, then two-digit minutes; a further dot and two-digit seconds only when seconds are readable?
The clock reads 9.45
